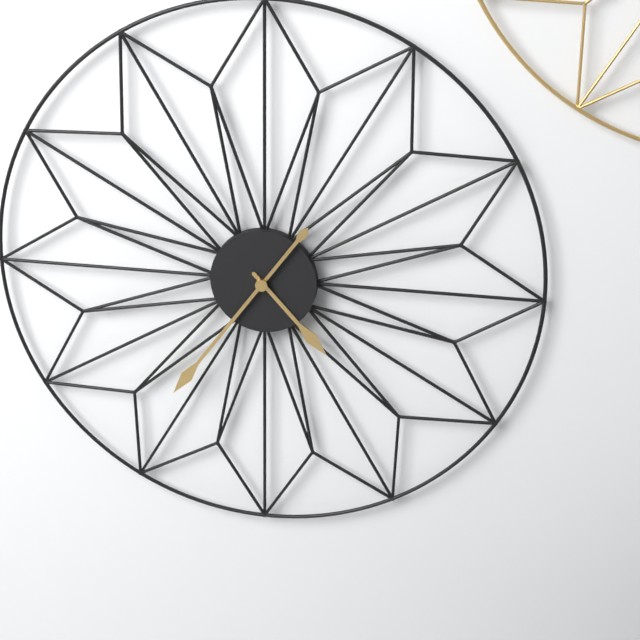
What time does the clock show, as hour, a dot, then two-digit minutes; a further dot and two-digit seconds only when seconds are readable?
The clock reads 4.36
